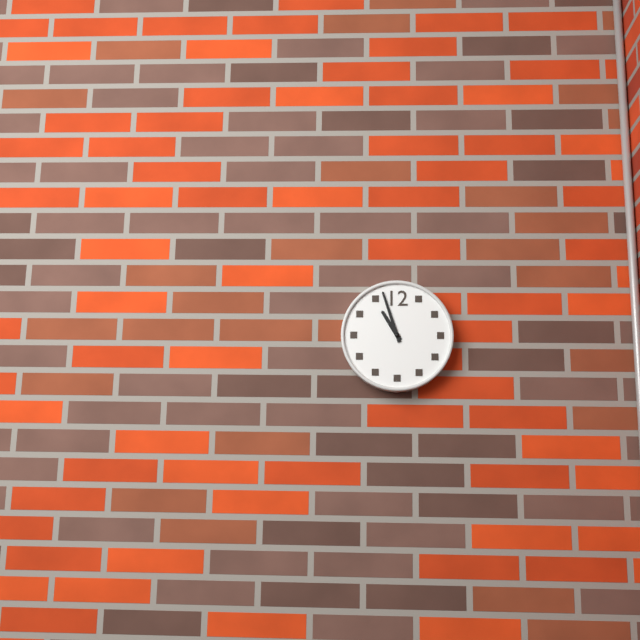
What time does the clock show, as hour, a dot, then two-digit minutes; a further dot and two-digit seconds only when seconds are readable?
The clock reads 10.57
